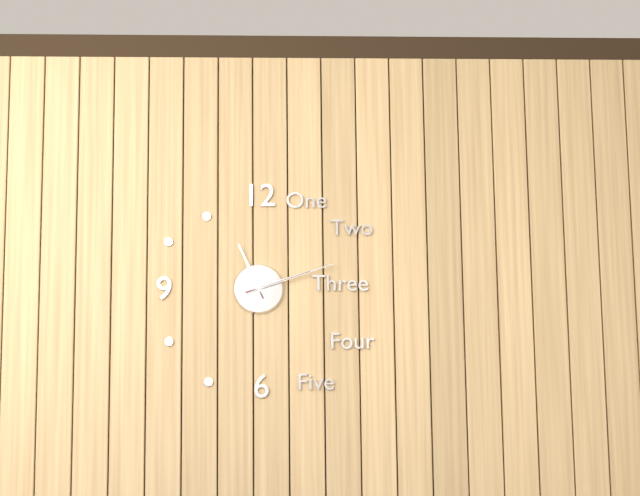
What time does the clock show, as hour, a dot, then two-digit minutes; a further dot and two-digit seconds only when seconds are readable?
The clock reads 11.12
